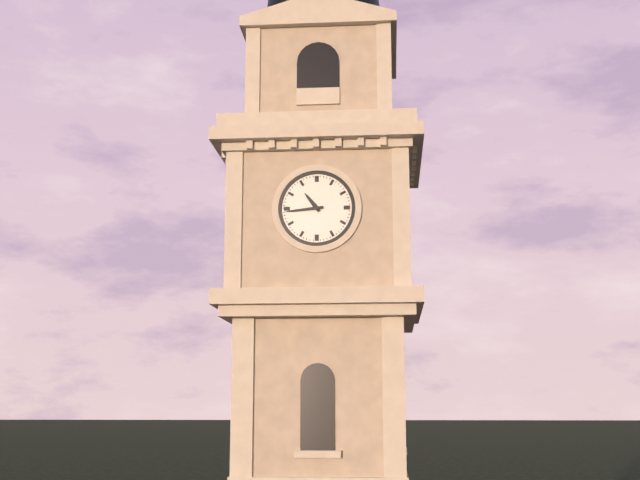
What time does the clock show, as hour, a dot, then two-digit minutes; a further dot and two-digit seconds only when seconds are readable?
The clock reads 10.44
